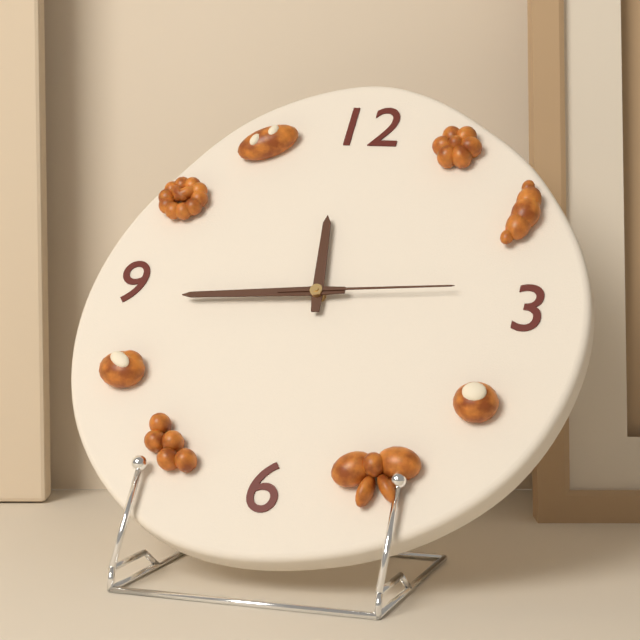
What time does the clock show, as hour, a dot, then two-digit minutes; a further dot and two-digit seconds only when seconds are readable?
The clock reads 11.44.14
